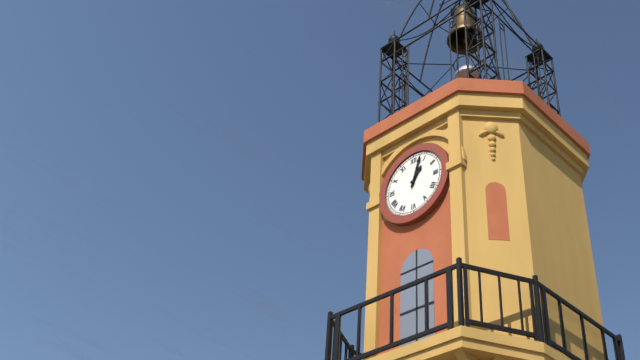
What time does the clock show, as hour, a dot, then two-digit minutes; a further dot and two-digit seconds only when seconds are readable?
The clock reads 1.03
